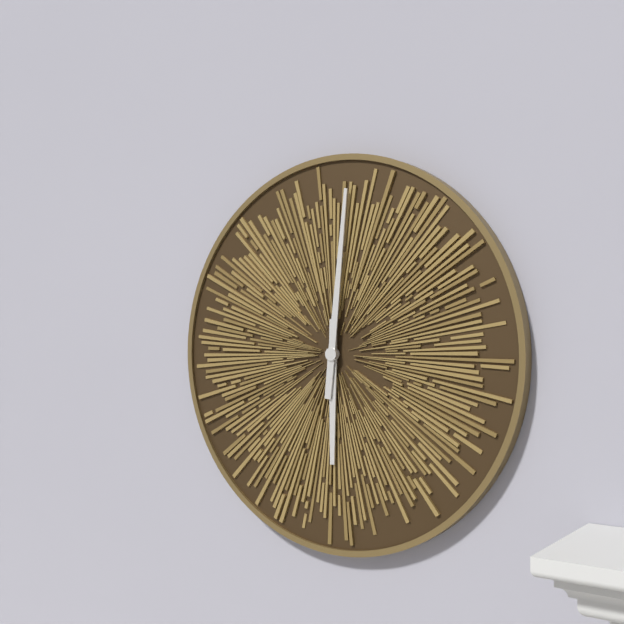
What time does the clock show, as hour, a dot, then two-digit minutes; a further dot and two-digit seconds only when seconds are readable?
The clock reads 6.01
